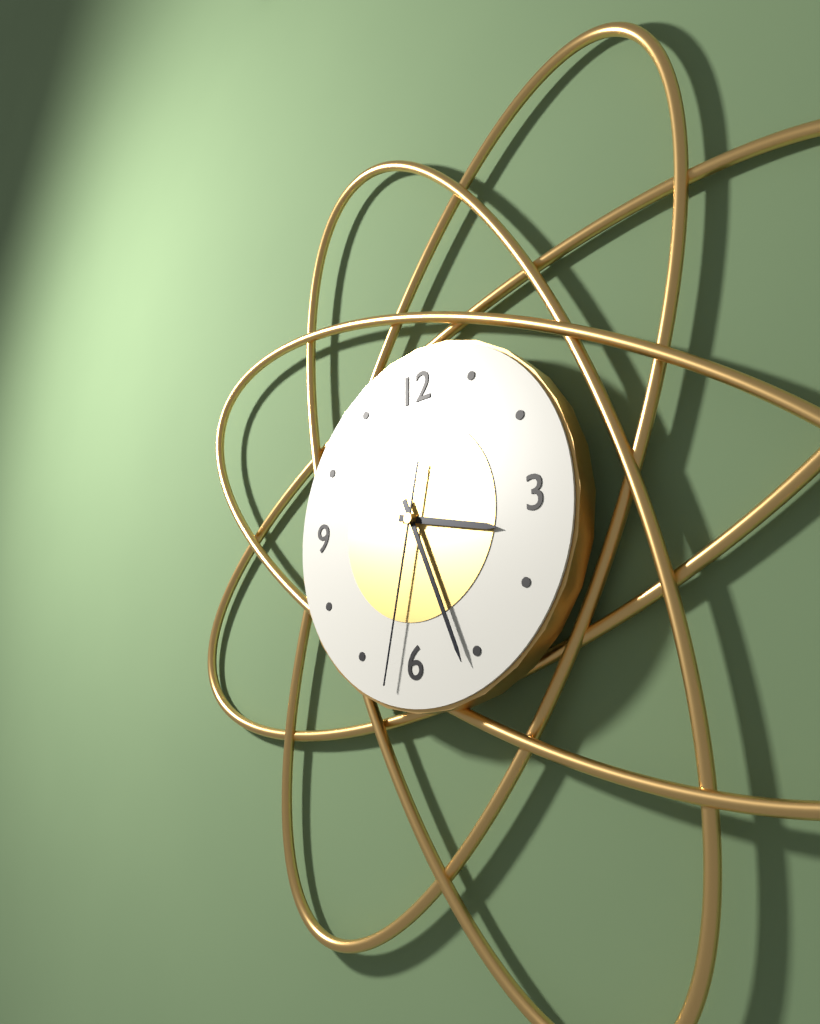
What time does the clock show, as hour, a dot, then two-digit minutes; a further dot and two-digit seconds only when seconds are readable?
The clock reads 3.26.32
